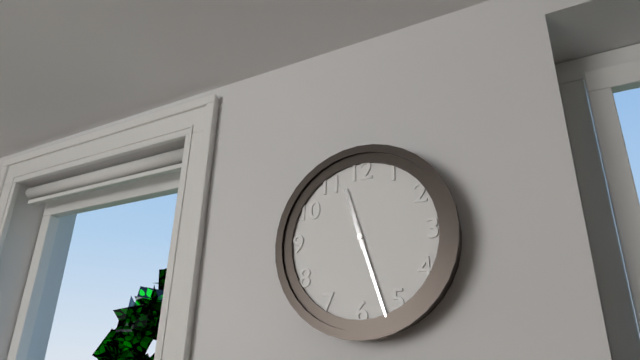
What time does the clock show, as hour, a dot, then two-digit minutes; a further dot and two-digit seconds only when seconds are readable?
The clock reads 11.27
